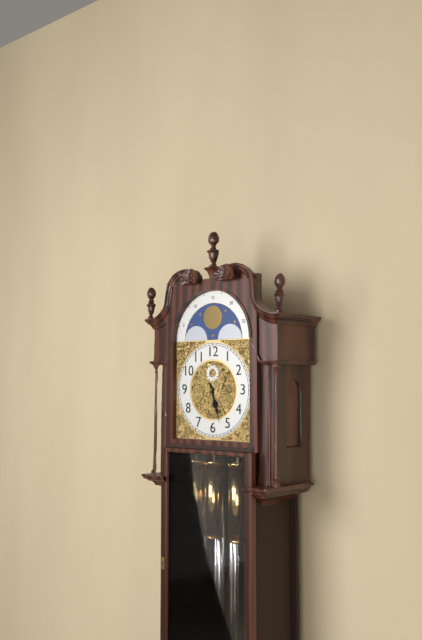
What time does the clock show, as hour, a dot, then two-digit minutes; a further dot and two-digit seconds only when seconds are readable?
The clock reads 5.27
